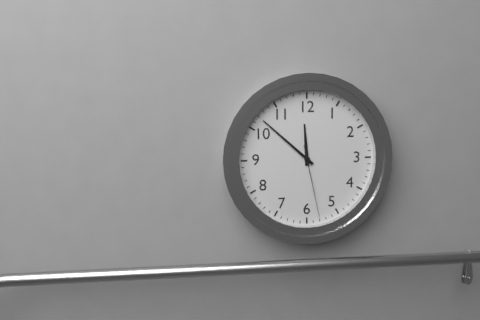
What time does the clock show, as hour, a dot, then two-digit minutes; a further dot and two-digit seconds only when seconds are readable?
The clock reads 11.52.28
